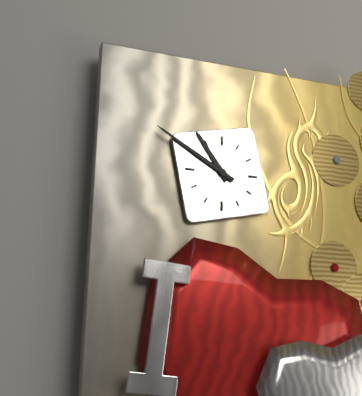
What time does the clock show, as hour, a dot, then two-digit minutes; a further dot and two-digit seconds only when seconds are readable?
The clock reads 10.50
